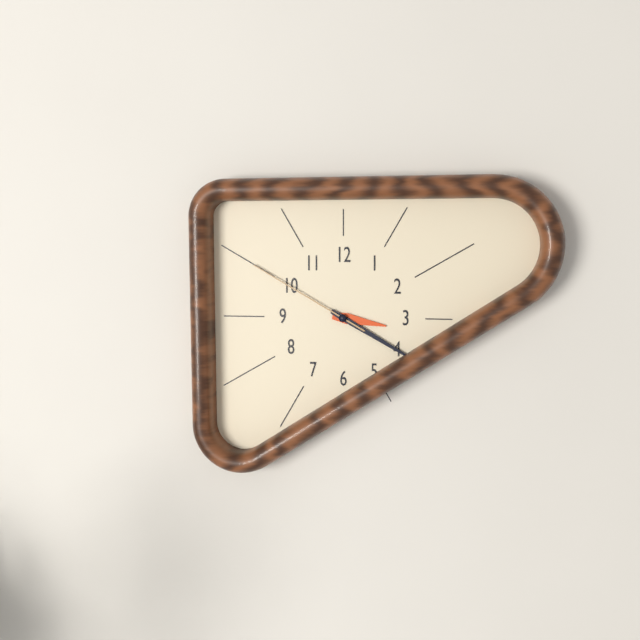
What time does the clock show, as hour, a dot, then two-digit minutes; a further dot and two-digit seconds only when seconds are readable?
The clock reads 3.20.50
